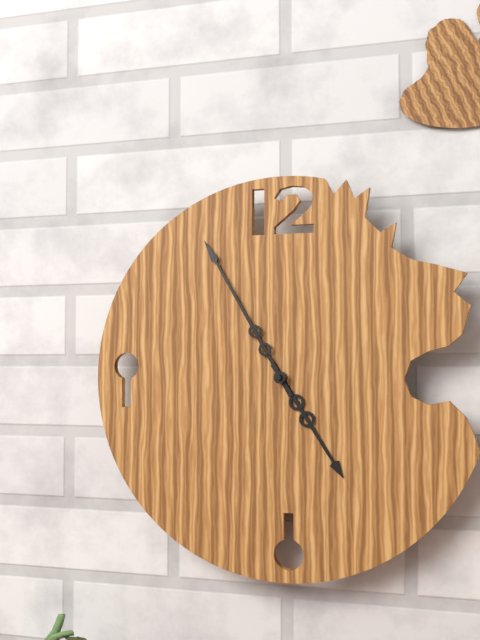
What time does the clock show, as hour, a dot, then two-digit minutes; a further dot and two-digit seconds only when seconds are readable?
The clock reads 4.55
